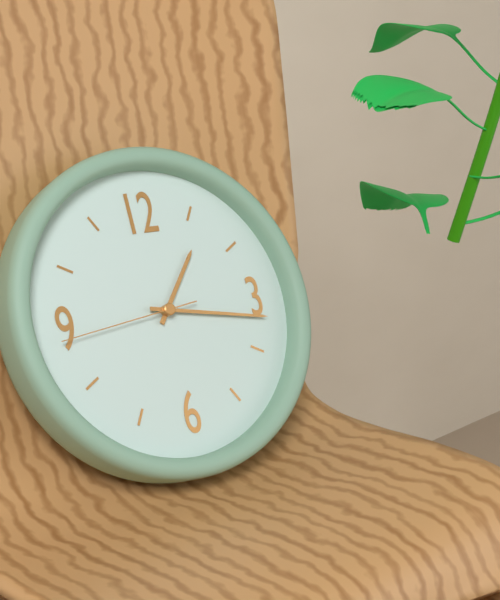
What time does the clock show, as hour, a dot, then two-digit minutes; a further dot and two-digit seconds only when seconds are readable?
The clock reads 1.17.44
